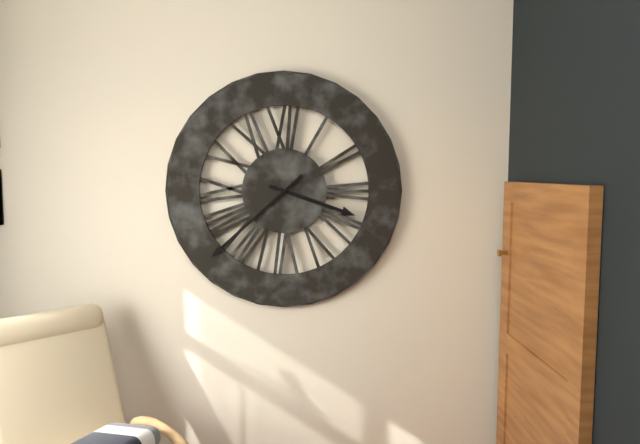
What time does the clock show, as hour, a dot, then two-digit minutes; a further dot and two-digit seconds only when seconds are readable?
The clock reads 3.38
